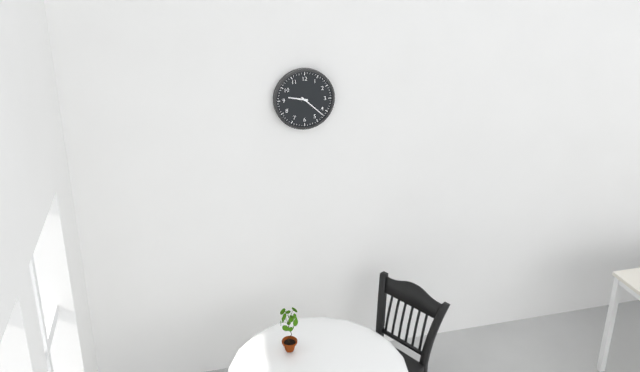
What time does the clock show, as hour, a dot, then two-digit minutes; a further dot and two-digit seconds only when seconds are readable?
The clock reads 9.22
